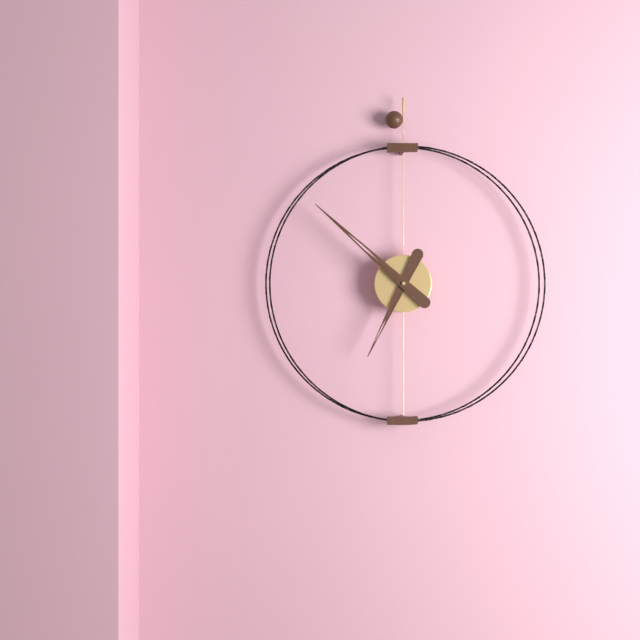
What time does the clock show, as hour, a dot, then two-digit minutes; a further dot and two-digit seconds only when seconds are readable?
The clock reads 6.52
